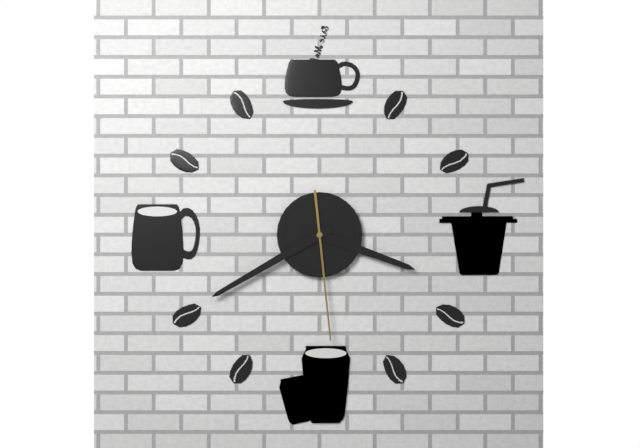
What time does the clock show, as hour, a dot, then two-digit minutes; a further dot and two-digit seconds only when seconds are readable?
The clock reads 3.40.29
